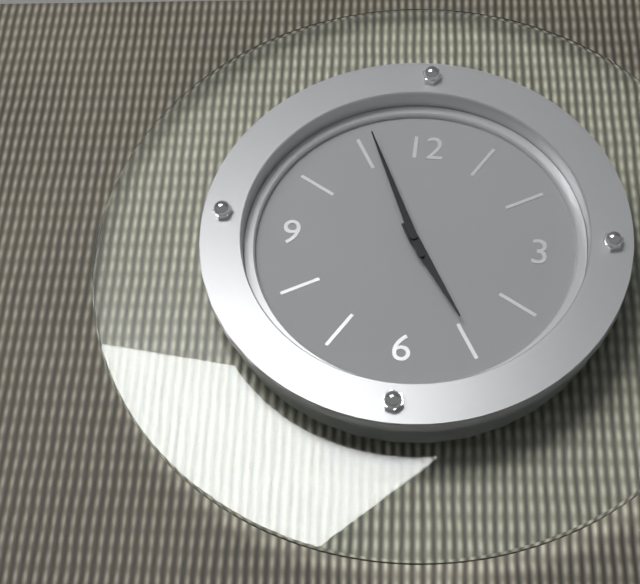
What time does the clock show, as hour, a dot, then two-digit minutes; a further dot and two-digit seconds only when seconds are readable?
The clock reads 4.56
